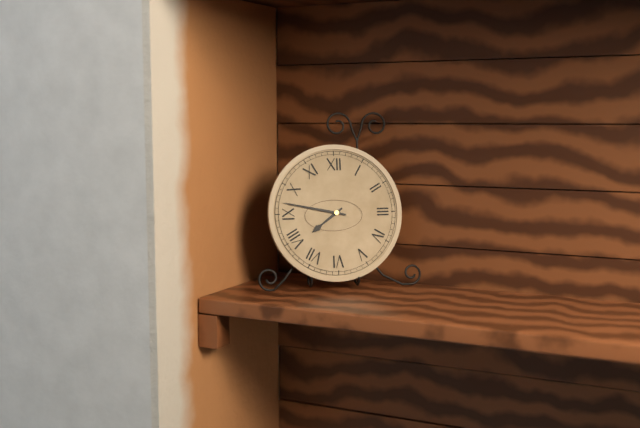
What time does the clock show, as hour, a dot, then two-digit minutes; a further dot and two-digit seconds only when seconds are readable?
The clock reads 7.47
